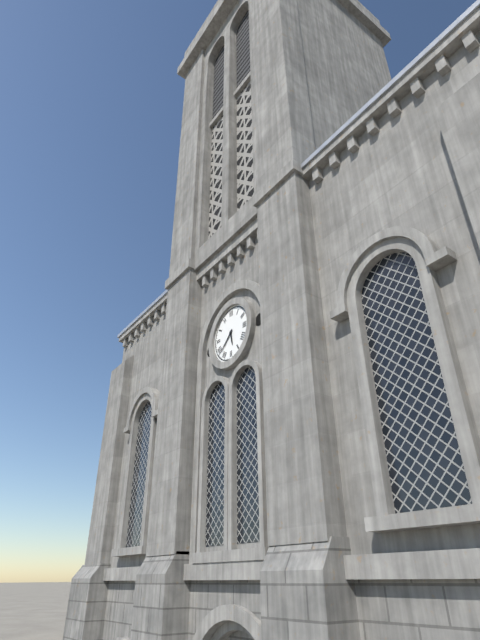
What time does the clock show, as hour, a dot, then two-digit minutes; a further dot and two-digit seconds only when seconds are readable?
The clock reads 5.38
